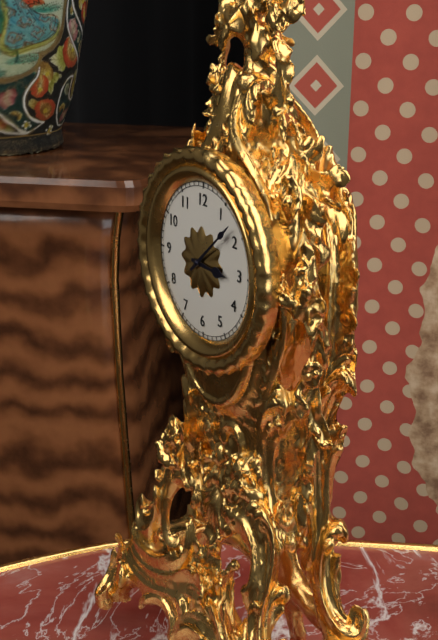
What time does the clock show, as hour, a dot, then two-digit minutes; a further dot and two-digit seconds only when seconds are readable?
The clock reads 3.08
